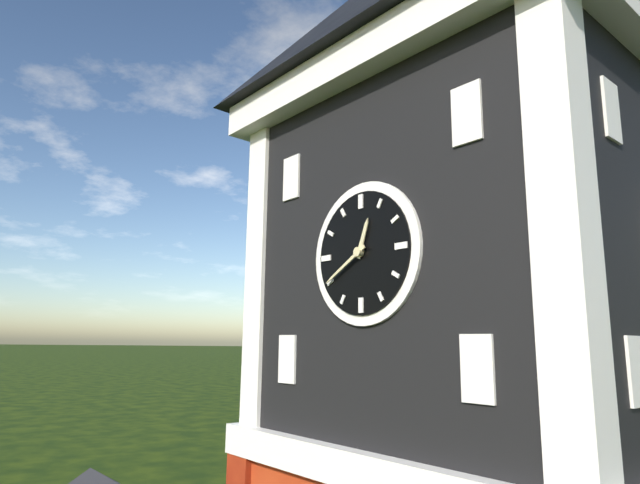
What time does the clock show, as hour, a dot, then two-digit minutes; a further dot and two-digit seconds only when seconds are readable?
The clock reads 12.40
